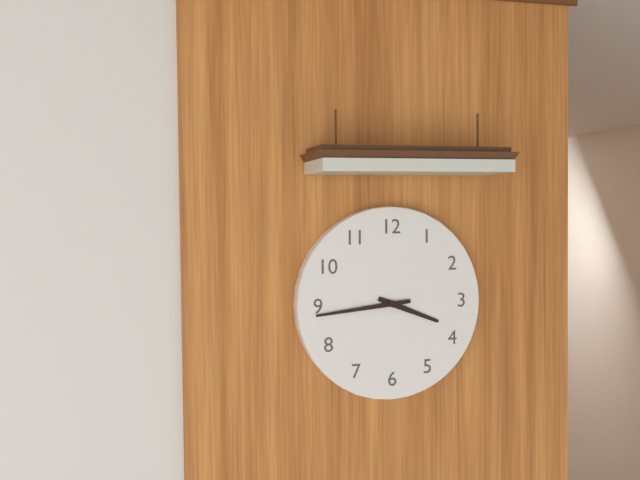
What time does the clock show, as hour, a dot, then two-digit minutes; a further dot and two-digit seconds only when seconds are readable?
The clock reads 3.44
